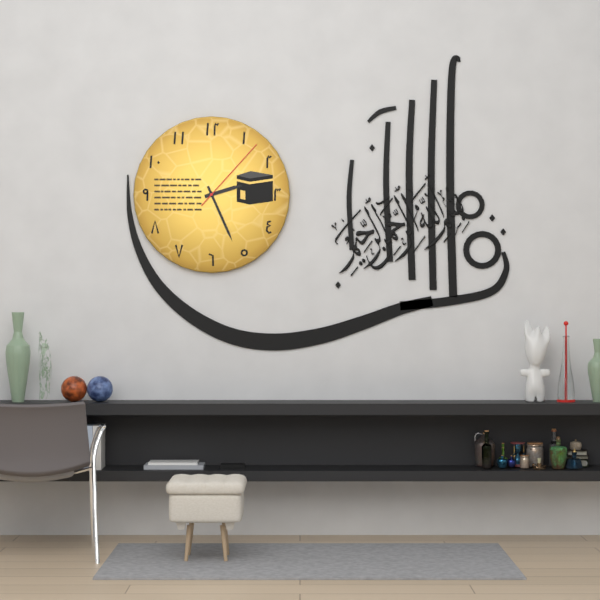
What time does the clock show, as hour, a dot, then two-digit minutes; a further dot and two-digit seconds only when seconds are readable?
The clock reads 2.26.07
